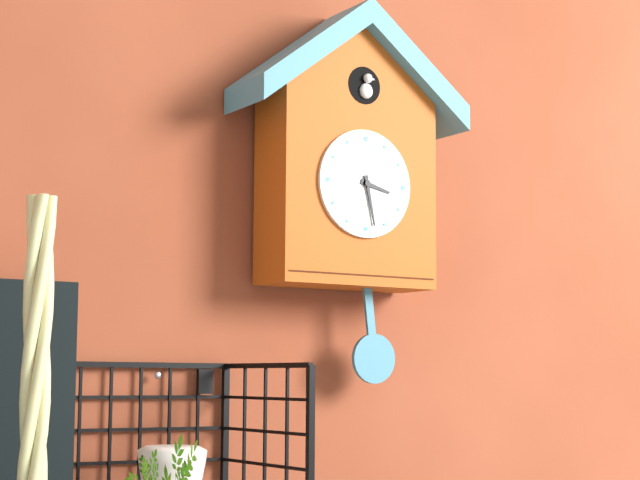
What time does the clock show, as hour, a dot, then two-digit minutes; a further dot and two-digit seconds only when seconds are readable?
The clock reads 3.28
